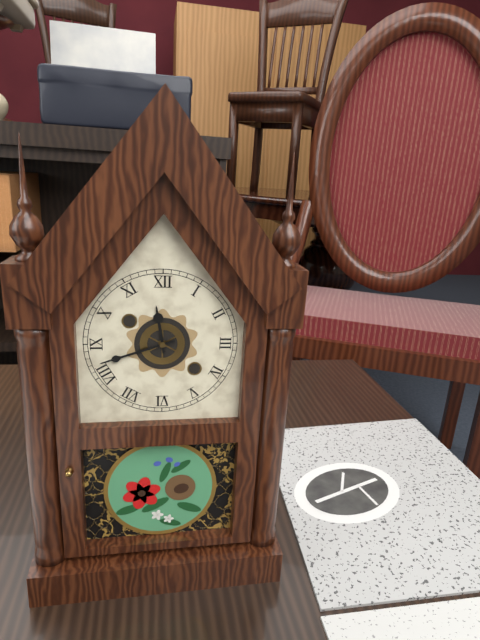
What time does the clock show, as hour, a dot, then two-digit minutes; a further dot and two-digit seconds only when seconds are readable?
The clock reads 11.42
